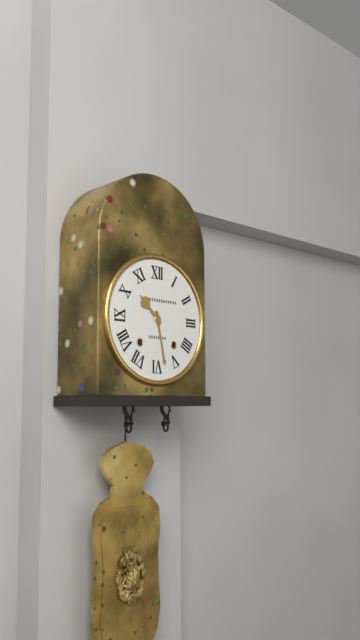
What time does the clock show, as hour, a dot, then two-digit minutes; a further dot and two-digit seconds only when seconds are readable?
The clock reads 10.28
